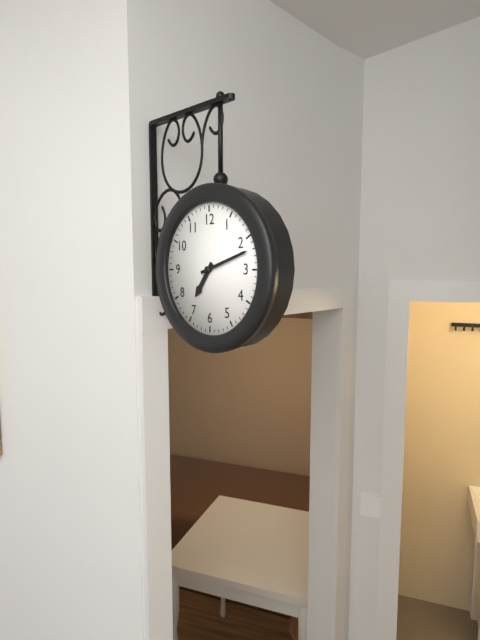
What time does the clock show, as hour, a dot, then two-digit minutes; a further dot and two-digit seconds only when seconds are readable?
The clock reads 7.12
